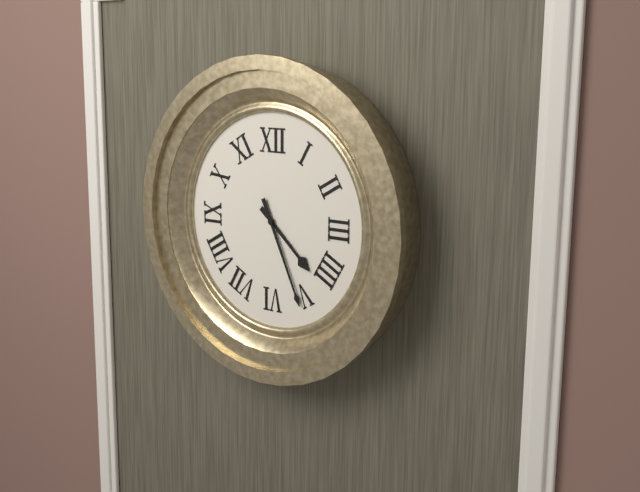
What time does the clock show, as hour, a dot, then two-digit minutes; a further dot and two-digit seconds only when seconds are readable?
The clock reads 4.26
